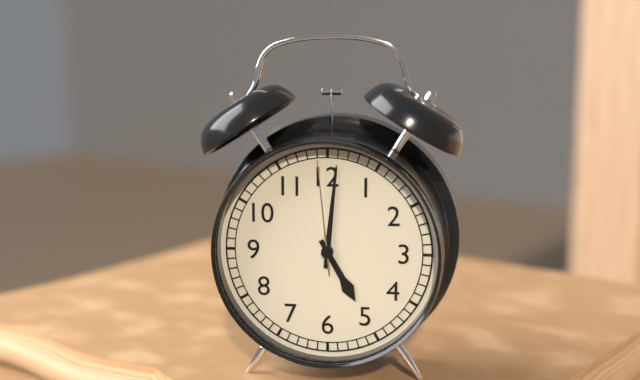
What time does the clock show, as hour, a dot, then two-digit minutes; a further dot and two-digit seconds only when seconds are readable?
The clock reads 5.01.59
